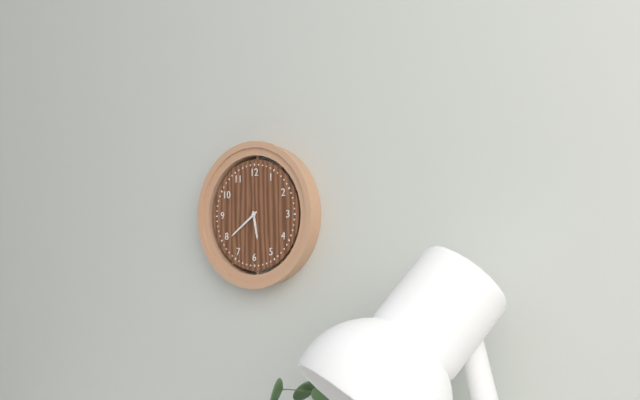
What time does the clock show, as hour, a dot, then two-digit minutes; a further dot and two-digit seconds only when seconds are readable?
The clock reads 5.39
